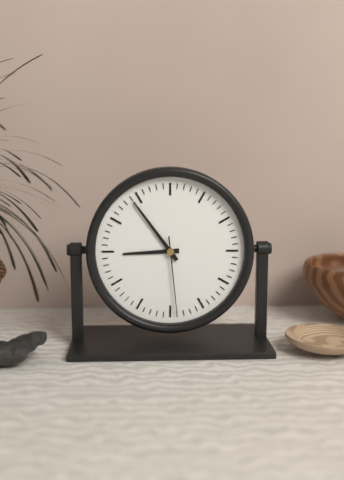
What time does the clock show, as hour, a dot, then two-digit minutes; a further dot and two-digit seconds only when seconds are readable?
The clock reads 8.54.29
